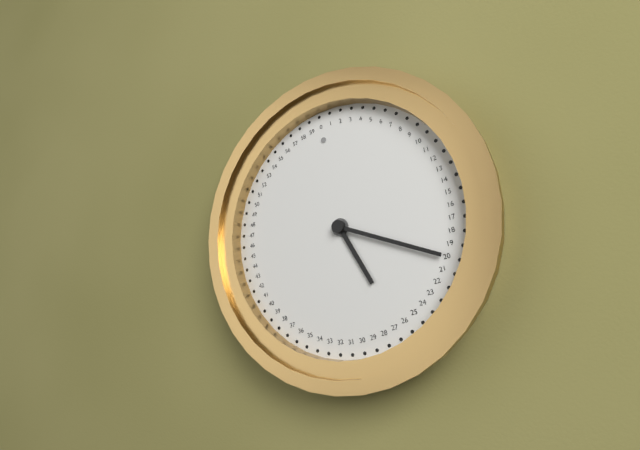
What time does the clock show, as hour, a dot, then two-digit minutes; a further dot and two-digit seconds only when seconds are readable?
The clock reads 5.20
